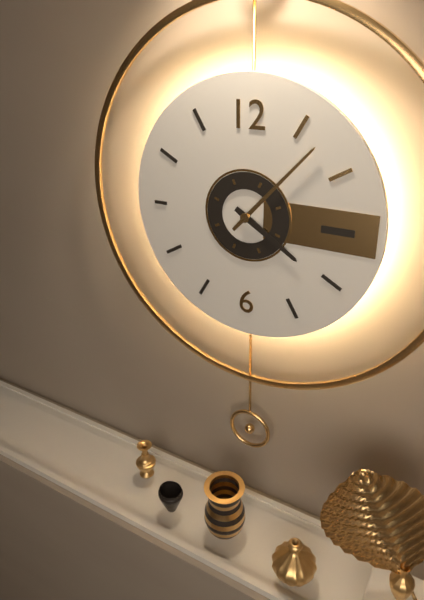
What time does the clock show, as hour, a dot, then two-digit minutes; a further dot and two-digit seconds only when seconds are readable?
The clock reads 4.07
